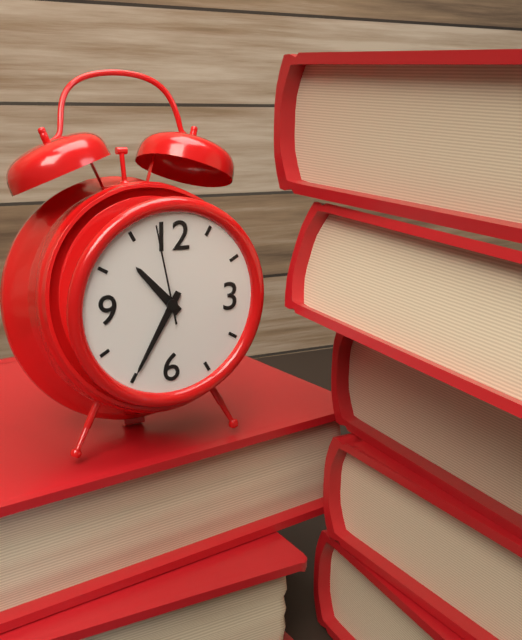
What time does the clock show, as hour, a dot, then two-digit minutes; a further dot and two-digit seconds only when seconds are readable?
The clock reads 10.35.58
